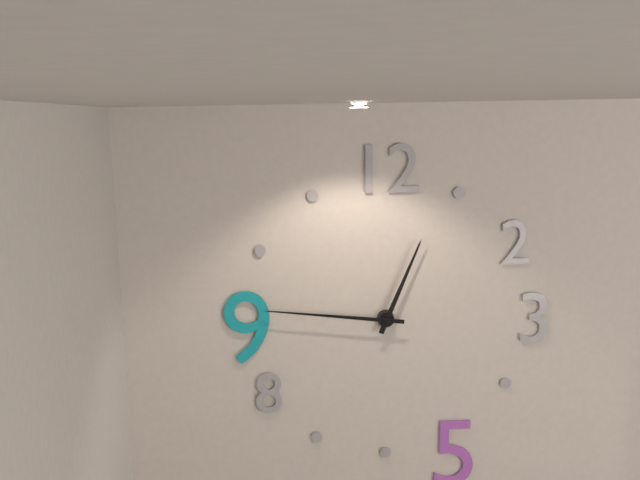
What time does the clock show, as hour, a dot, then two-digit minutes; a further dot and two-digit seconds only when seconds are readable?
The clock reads 12.46
